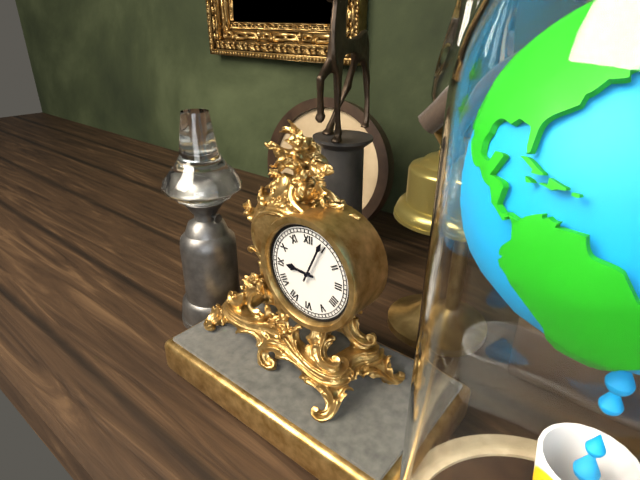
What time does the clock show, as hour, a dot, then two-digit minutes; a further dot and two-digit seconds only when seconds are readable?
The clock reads 9.04
